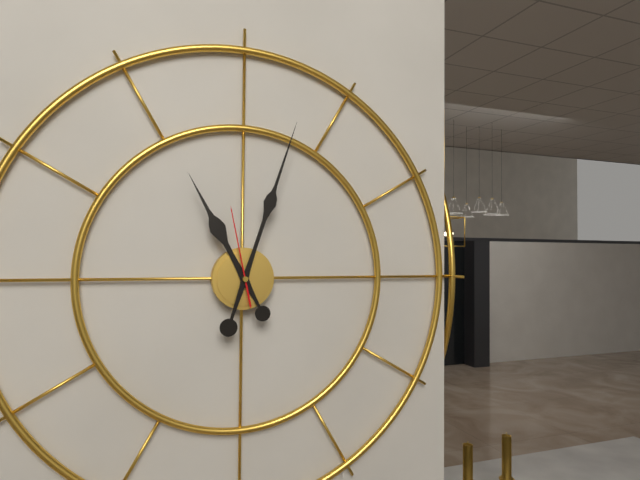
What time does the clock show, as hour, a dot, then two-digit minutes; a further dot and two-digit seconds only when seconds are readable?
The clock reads 11.03.58
